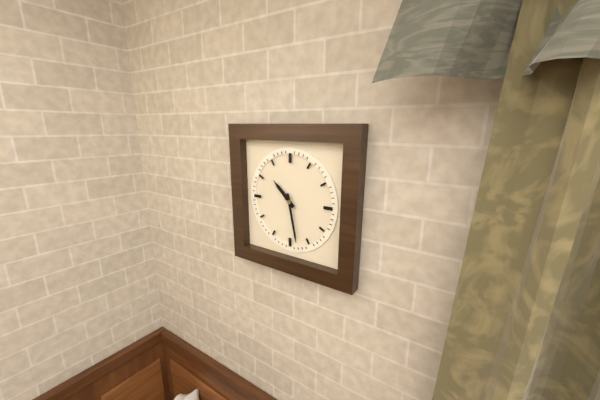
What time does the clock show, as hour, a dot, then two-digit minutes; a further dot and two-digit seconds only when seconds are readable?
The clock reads 10.28
